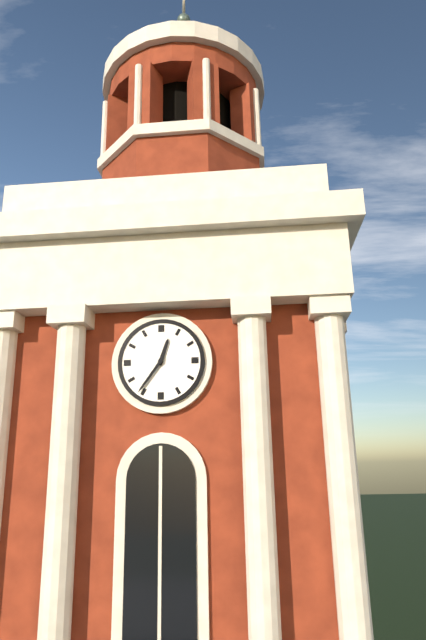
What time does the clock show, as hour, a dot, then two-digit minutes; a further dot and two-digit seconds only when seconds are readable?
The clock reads 12.36
